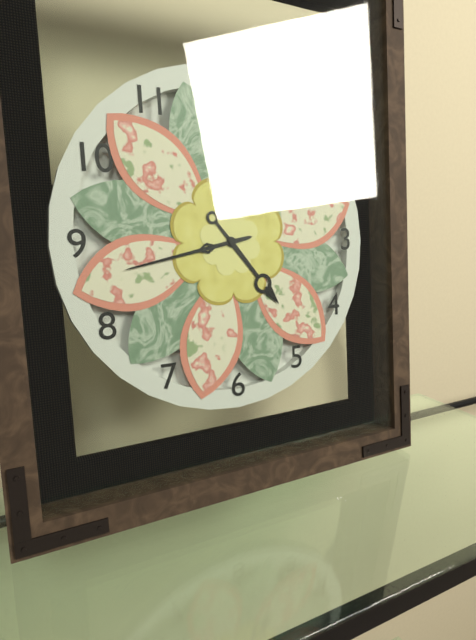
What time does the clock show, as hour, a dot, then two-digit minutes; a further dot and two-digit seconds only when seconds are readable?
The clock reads 4.43
